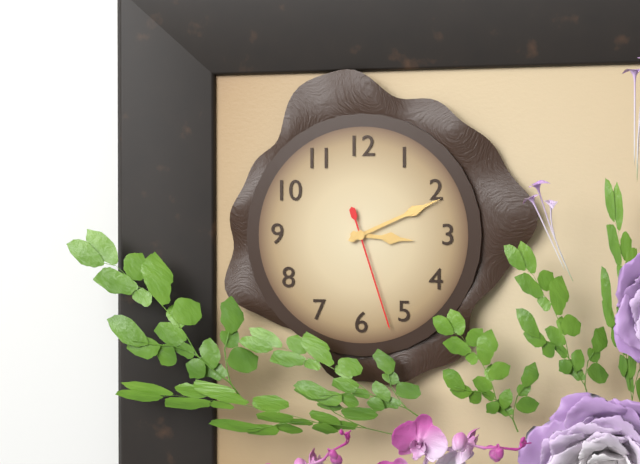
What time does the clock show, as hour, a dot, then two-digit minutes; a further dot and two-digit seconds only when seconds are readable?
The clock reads 3.11.27
